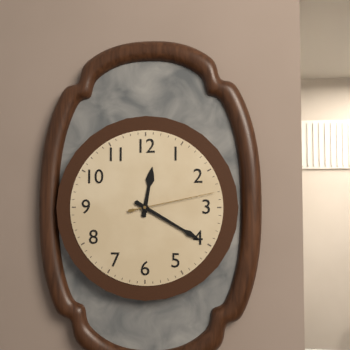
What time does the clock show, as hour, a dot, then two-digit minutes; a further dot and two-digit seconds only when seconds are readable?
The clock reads 12.20.13
